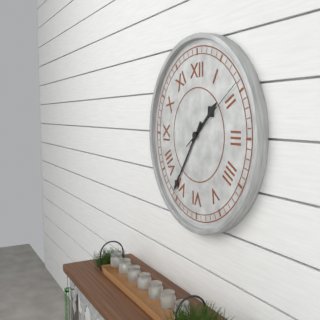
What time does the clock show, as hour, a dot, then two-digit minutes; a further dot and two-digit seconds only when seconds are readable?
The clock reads 1.36.09
